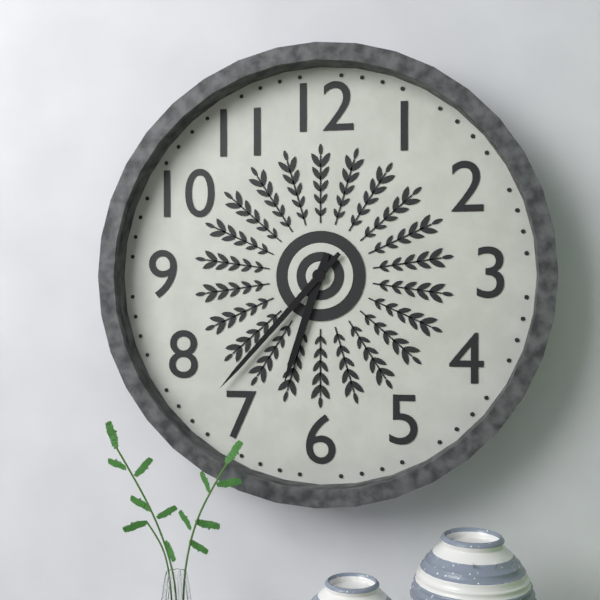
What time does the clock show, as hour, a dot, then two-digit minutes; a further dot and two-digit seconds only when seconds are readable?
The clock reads 6.37
